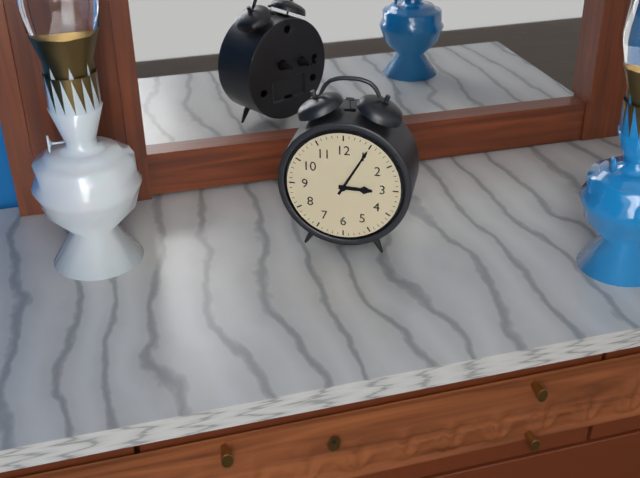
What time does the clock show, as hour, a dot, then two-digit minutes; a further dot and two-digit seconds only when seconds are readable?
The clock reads 3.05
